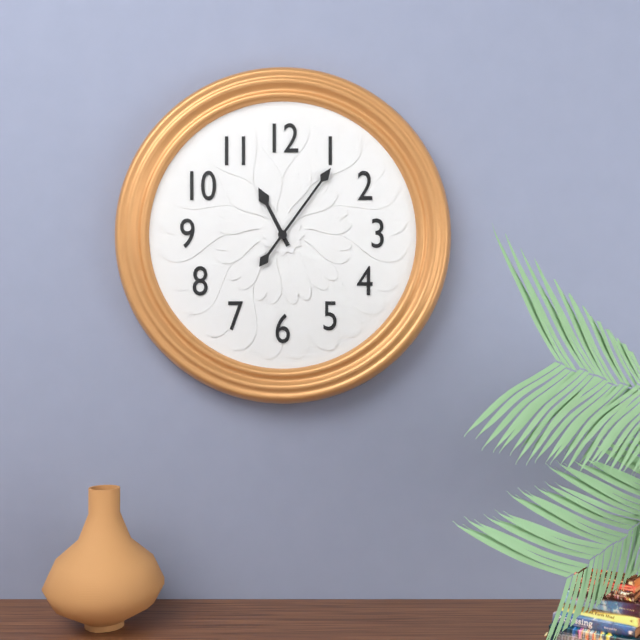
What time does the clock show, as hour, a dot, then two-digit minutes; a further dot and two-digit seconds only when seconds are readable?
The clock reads 11.06
